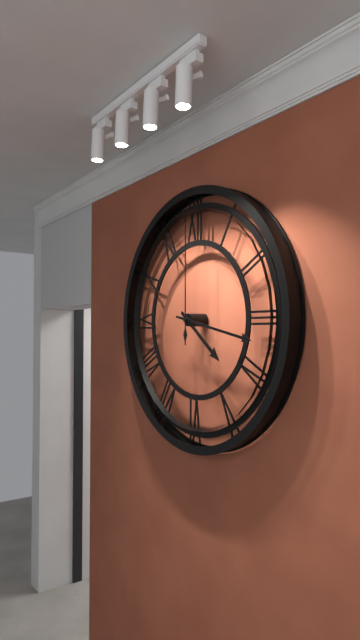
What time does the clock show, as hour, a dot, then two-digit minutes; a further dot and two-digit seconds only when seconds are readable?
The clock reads 4.17.00
